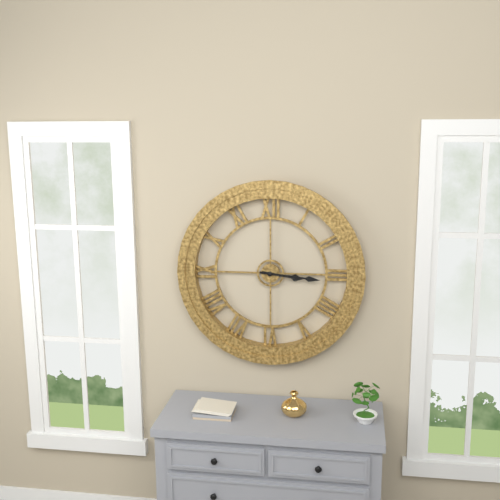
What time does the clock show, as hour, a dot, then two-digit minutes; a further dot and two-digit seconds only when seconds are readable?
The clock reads 3.16
